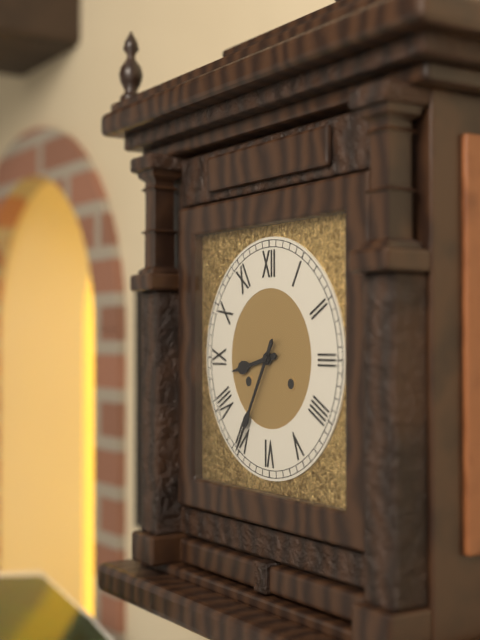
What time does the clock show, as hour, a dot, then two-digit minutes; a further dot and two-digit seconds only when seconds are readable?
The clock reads 8.35
